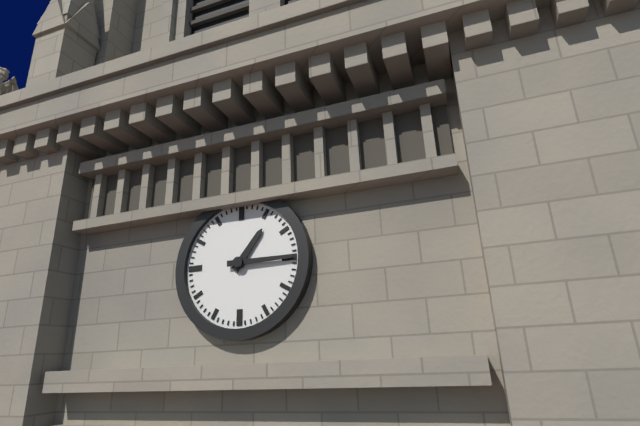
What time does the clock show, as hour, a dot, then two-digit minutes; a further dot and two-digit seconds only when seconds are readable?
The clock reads 1.15
